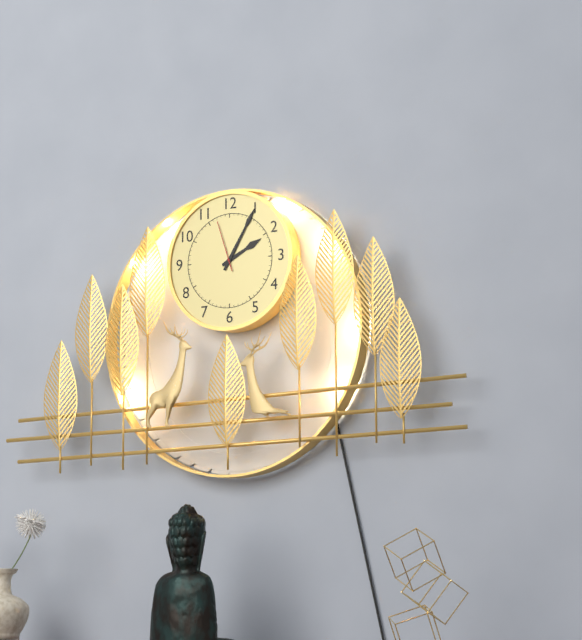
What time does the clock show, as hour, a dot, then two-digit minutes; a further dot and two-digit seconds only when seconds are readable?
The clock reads 2.05.57
